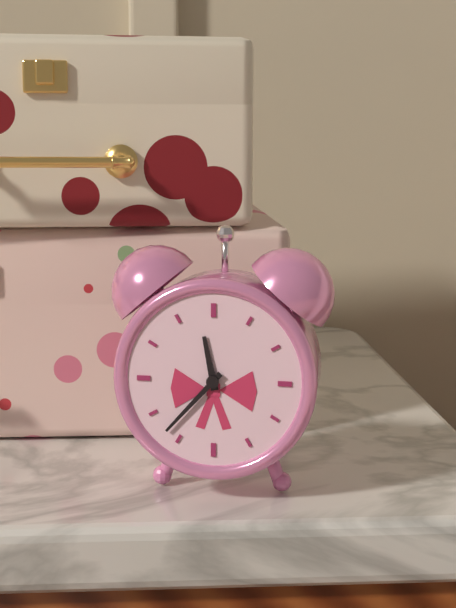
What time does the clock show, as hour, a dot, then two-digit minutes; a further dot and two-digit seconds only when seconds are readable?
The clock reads 11.37
